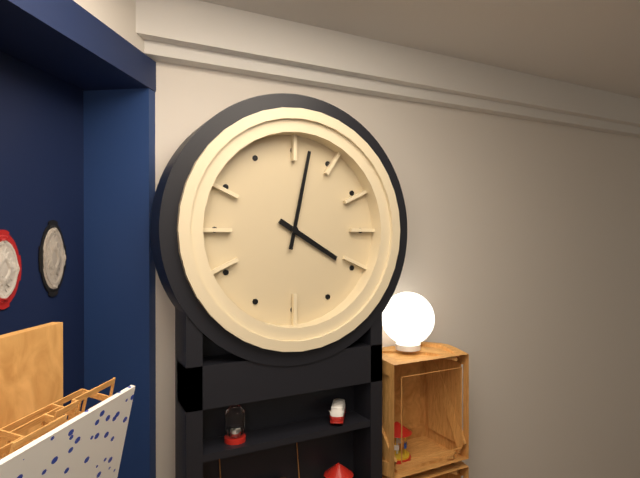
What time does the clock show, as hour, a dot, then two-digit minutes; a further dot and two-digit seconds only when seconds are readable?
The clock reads 4.02
